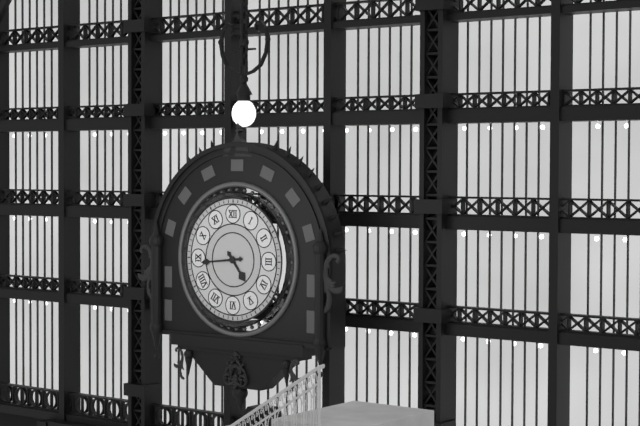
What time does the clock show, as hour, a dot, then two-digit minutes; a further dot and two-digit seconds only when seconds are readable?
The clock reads 4.44
